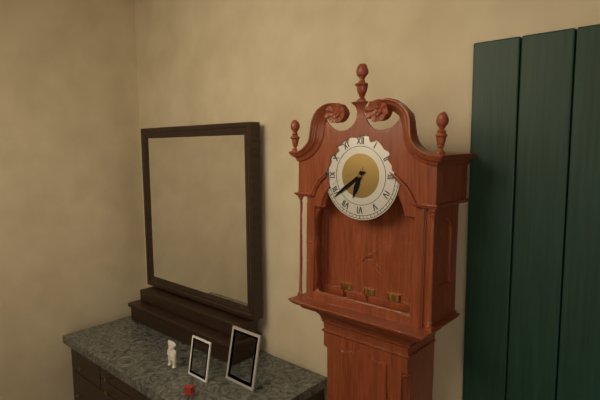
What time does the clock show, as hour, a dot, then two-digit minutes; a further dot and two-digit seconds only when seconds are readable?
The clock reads 6.39
